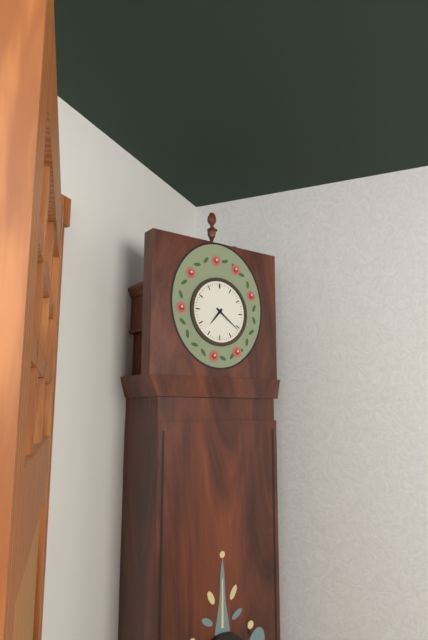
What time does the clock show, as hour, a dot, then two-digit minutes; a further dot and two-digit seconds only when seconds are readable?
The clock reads 7.21
